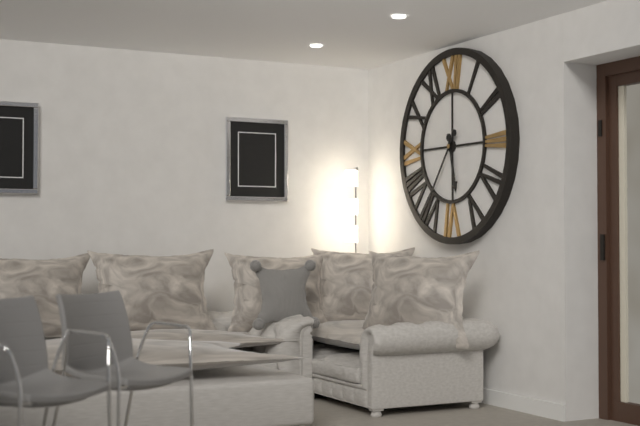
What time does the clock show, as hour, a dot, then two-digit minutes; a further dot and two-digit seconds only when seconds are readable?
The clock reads 5.36
